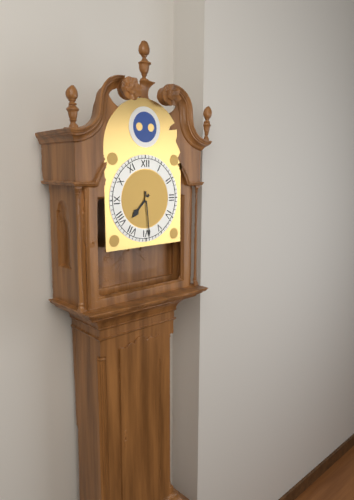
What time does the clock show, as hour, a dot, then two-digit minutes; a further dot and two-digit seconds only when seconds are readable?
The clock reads 7.29
